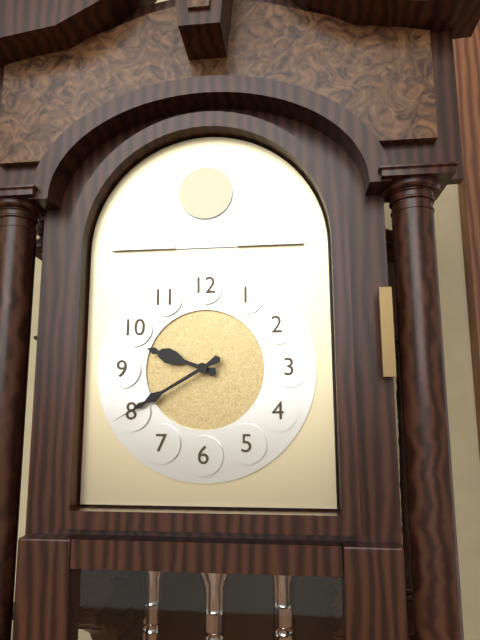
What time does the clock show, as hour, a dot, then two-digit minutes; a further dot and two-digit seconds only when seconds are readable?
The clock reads 9.40
